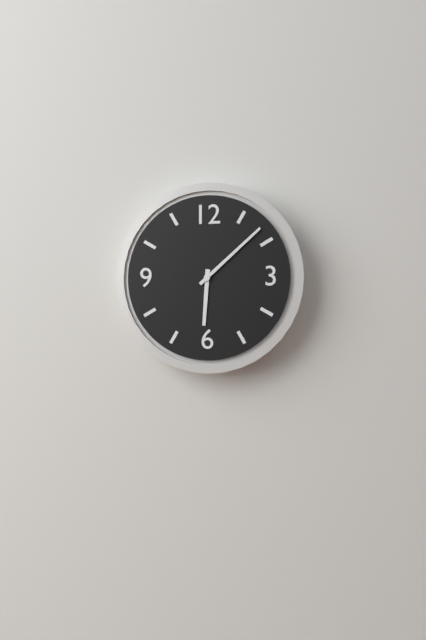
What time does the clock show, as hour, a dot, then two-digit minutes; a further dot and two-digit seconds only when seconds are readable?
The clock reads 6.08
